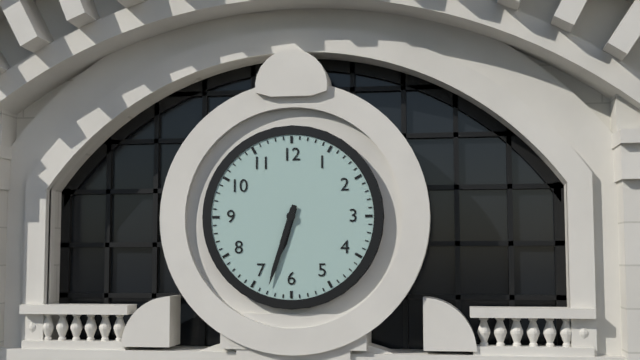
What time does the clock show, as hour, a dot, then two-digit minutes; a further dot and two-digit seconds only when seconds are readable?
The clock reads 6.33
